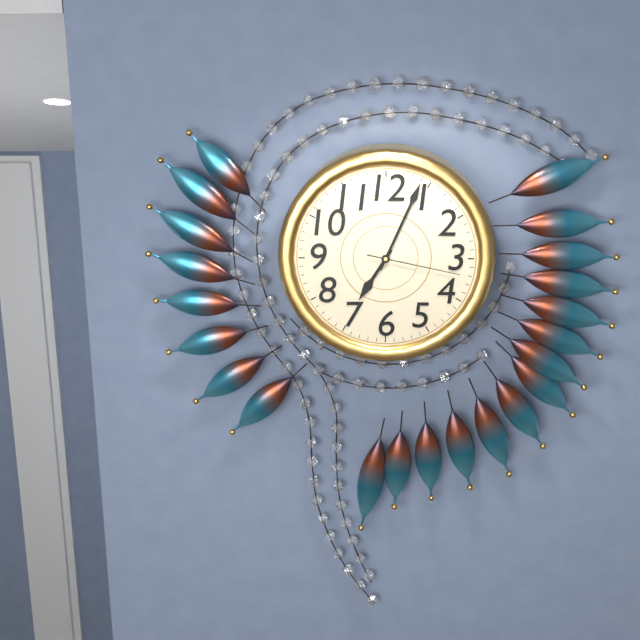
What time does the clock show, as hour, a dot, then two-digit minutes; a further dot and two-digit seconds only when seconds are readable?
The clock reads 7.04.17
